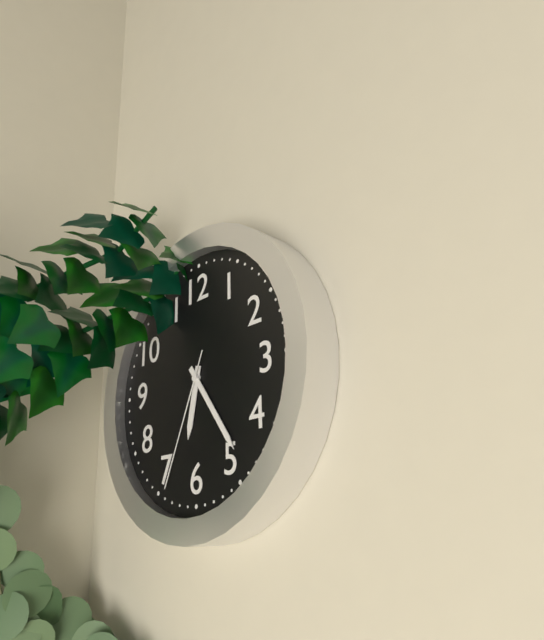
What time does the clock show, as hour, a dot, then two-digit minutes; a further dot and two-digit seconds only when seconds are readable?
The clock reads 6.24.34
